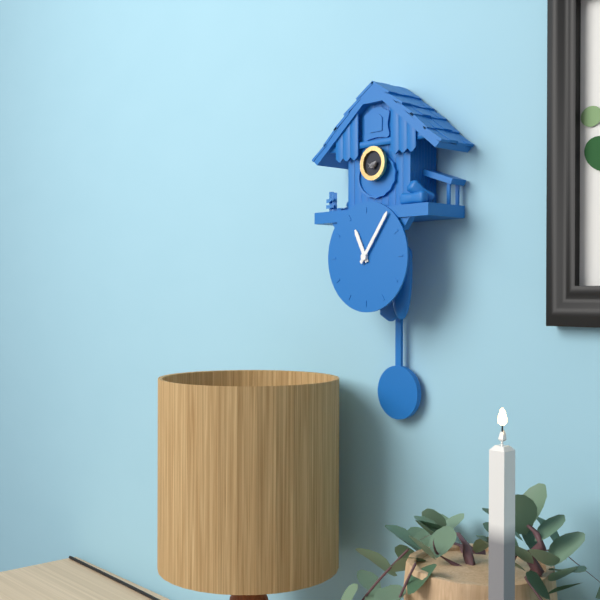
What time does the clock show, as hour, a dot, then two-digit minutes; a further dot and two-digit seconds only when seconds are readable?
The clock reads 11.06
